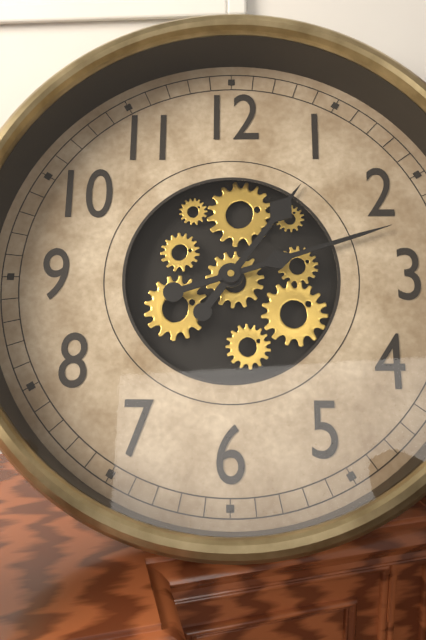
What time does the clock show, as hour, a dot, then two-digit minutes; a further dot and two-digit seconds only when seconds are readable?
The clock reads 1.12
